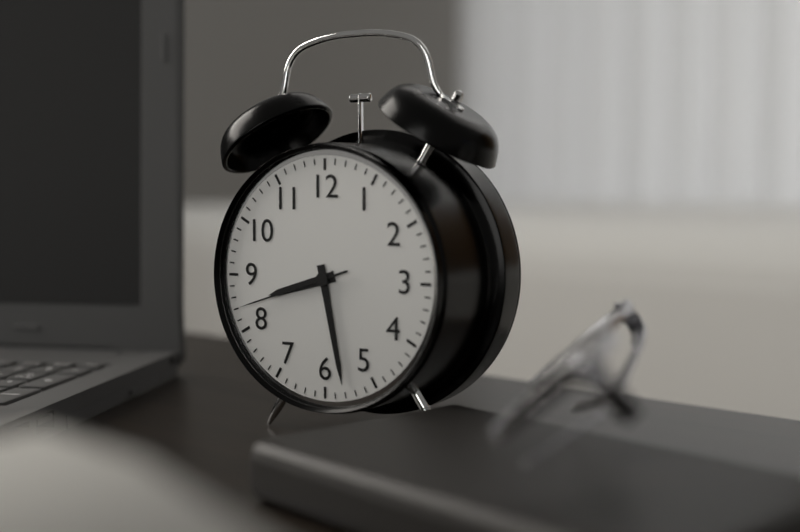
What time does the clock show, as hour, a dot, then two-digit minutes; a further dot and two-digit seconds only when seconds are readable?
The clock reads 8.28.42
